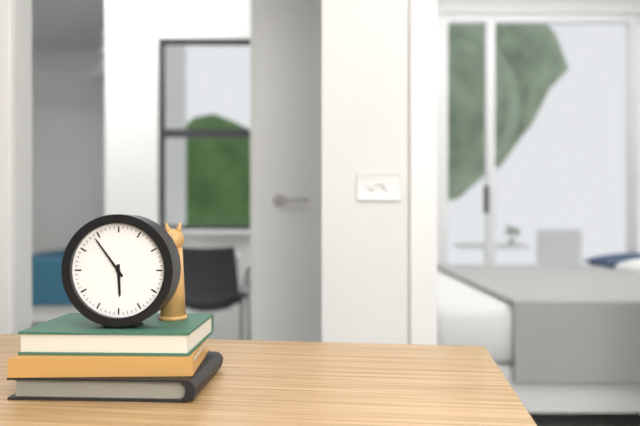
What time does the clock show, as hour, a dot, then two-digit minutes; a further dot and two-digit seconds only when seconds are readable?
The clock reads 5.54
